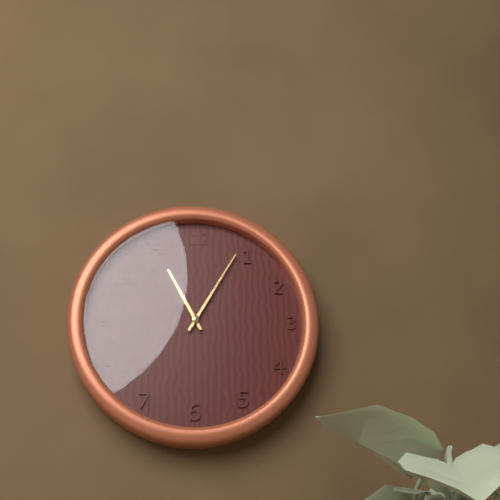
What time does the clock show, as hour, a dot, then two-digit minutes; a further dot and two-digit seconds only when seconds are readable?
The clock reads 11.05
